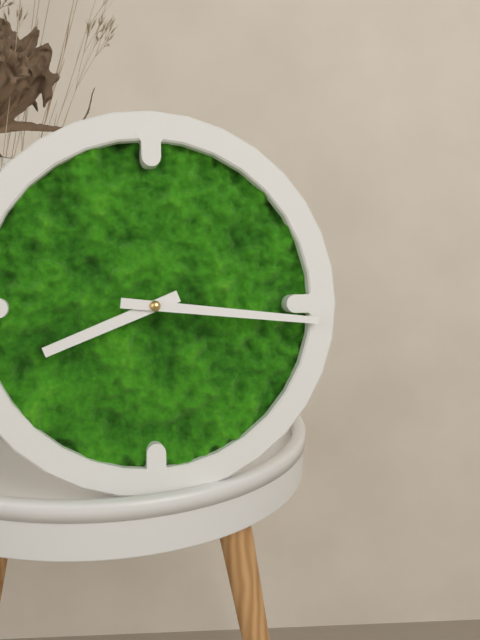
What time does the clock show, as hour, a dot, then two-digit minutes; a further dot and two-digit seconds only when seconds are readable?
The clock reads 8.16
